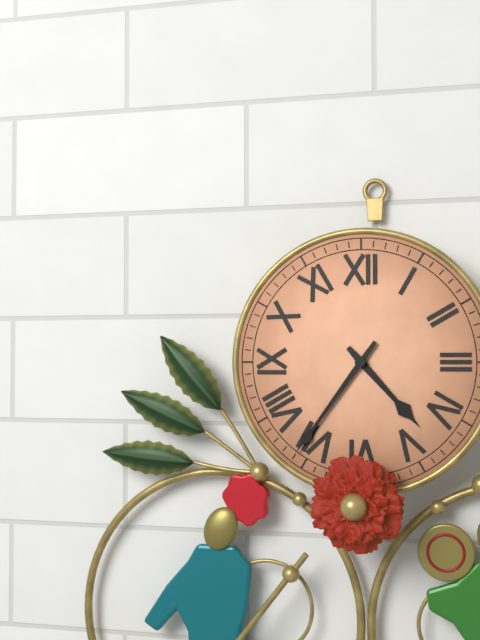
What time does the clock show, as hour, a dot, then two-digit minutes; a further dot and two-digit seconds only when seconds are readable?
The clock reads 4.36
